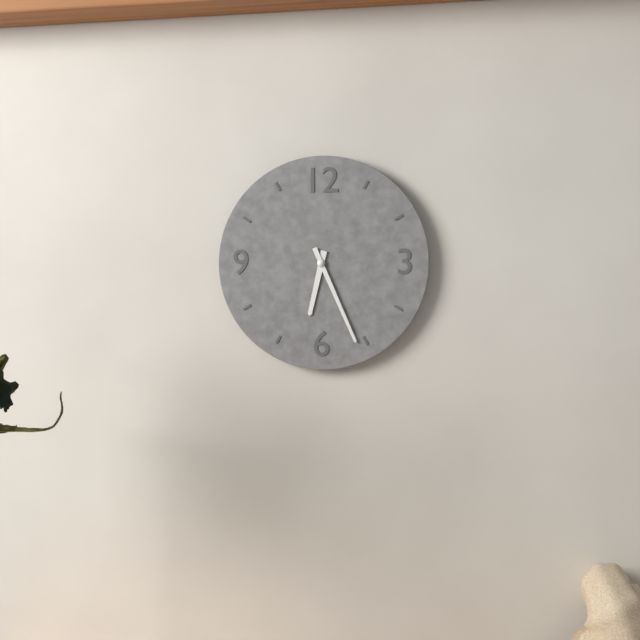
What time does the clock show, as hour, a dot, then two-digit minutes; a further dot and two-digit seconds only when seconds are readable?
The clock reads 6.26
